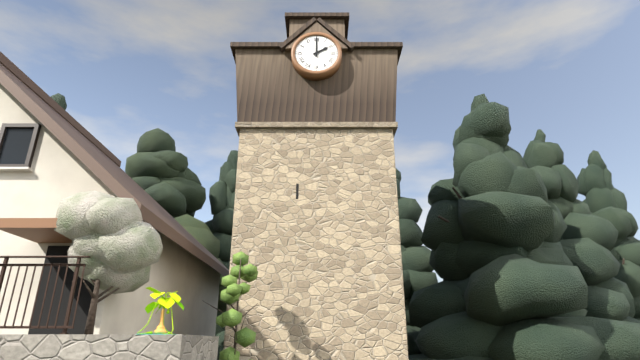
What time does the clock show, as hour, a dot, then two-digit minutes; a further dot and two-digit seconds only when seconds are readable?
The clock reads 2.00
